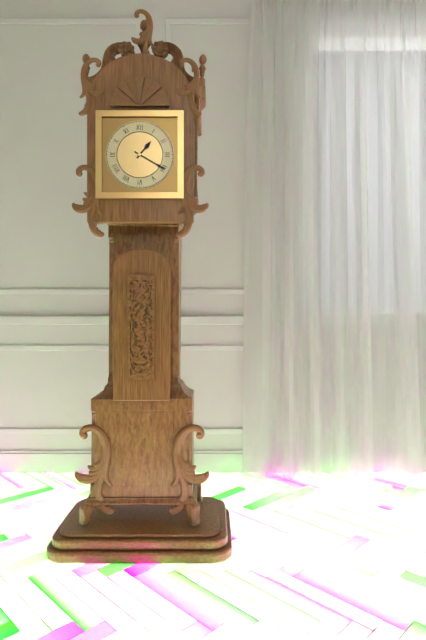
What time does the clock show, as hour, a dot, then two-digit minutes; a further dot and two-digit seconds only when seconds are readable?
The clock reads 1.20
